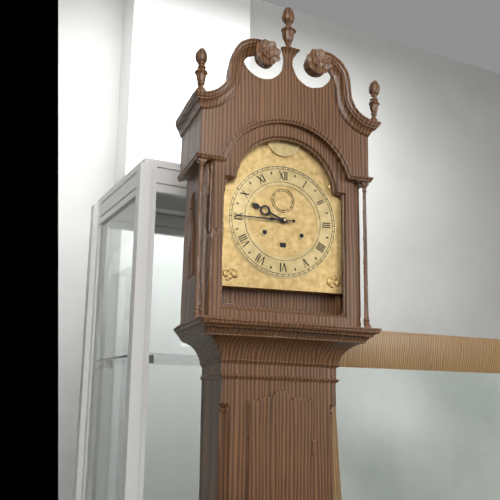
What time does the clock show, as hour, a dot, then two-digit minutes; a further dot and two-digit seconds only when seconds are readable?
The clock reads 9.45
